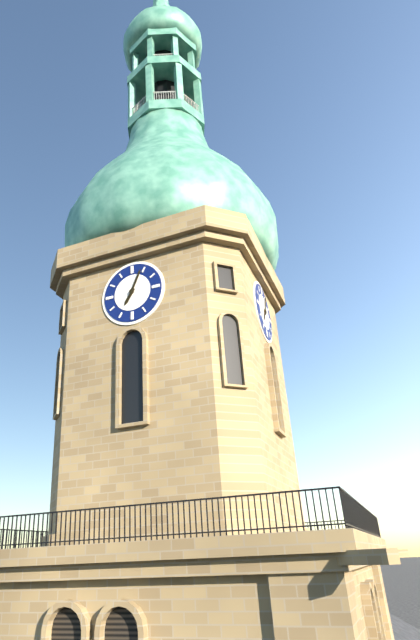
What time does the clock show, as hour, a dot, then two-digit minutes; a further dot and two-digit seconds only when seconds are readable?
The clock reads 7.04
